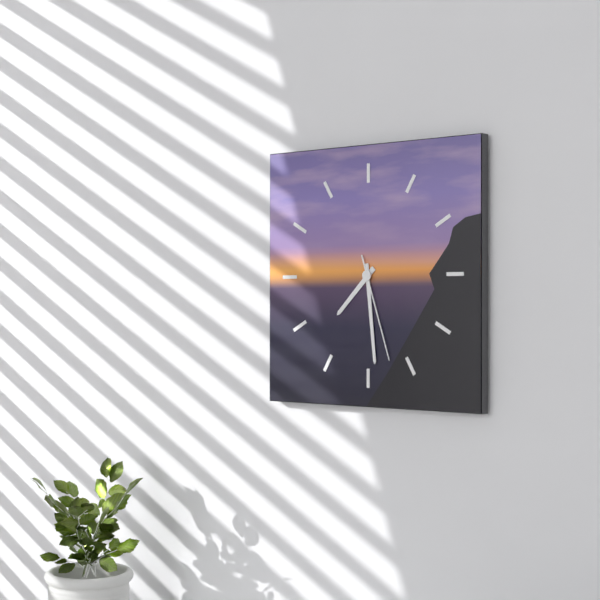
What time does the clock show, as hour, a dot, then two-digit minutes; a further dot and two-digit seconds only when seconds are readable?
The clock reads 7.29.27
